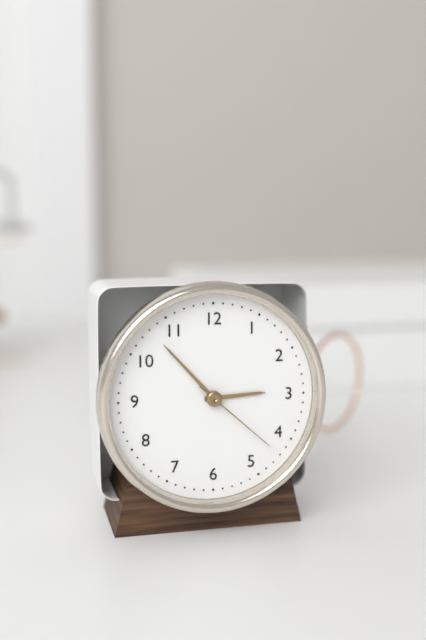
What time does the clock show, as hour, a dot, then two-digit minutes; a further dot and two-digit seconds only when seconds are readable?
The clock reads 2.53.22
